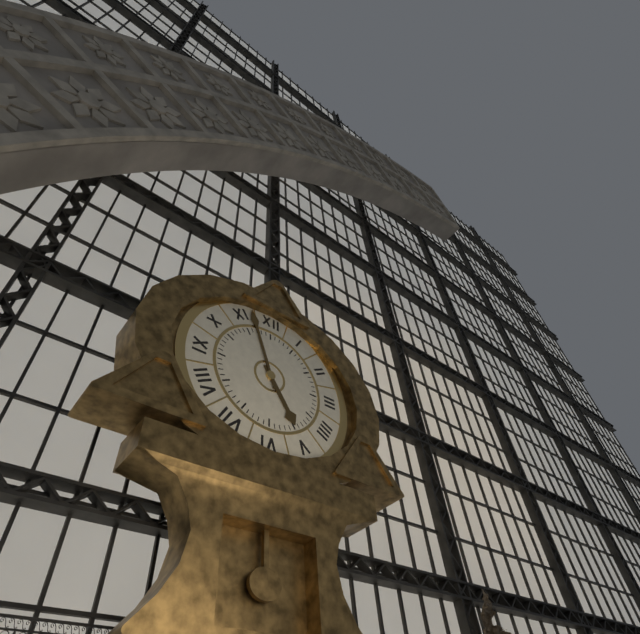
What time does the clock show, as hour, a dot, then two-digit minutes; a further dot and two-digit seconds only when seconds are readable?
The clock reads 4.57
